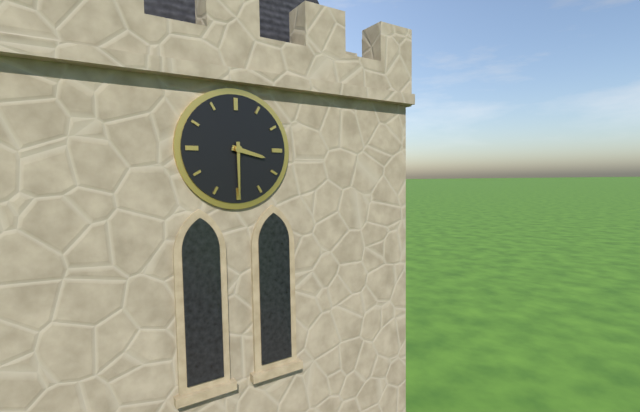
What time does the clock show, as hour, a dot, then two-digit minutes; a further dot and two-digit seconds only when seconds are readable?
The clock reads 3.30
